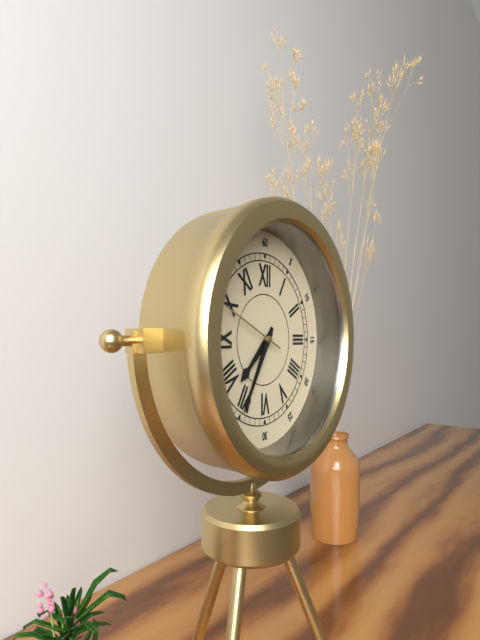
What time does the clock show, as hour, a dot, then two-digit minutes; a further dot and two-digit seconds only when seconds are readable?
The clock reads 7.35.49
